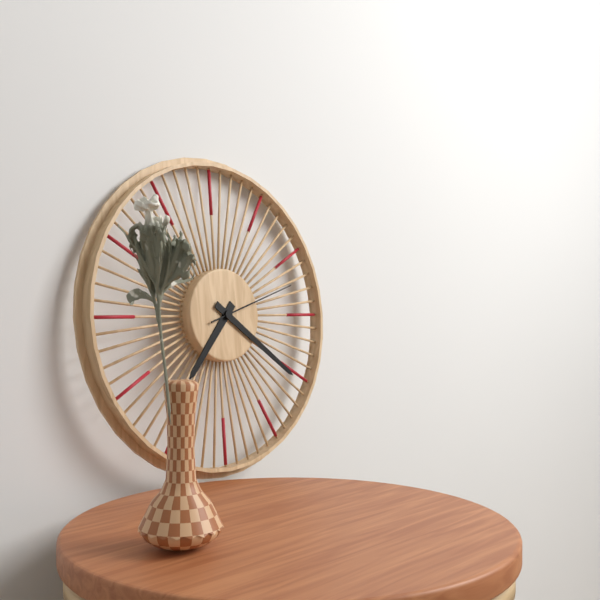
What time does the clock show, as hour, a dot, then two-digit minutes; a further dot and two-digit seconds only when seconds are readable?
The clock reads 7.21.12
